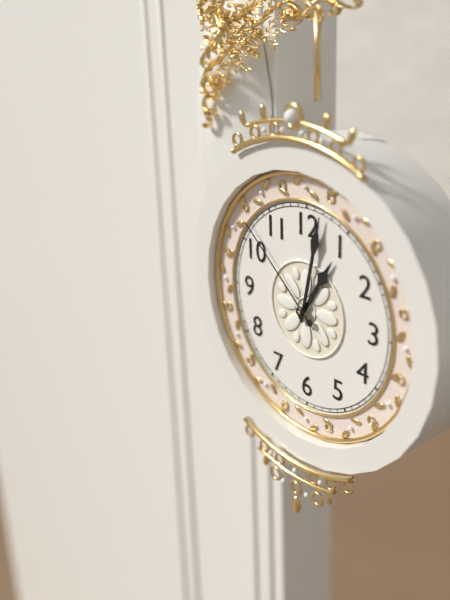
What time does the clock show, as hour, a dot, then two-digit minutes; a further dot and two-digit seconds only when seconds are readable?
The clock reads 1.02.52
